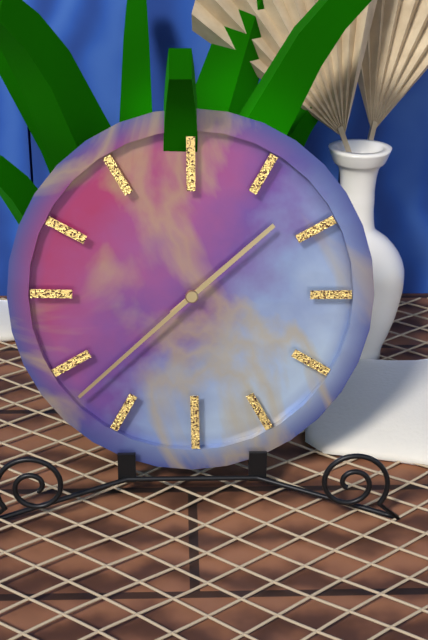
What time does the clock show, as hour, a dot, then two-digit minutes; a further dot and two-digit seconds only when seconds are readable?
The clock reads 1.38
